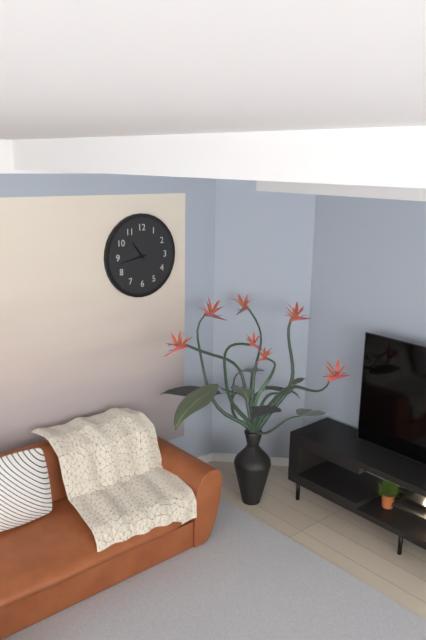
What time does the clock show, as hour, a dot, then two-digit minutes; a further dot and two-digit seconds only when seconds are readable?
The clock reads 10.43
